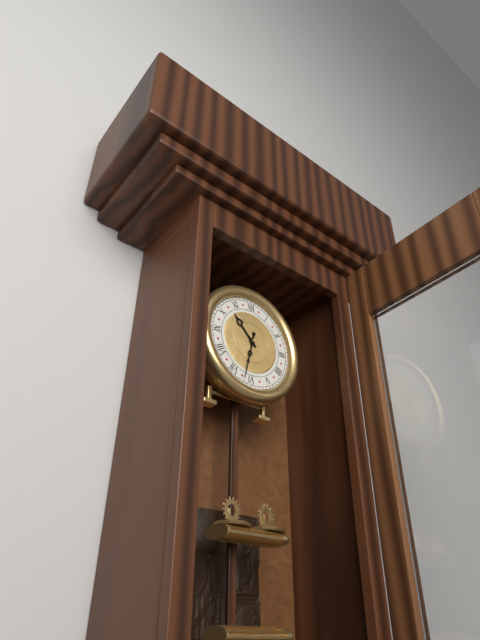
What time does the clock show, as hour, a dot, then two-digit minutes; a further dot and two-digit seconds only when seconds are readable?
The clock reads 10.32
